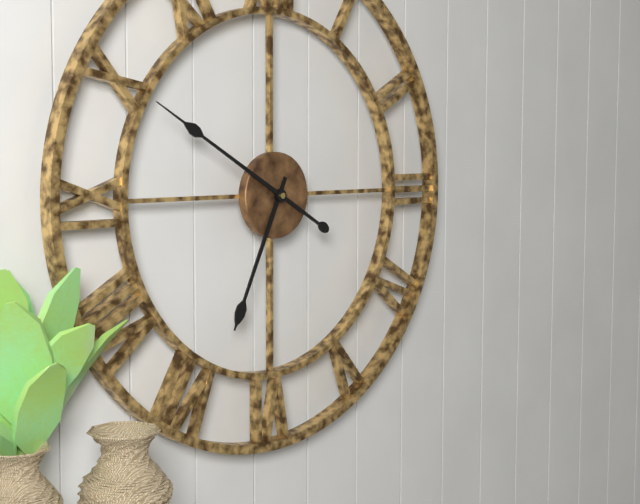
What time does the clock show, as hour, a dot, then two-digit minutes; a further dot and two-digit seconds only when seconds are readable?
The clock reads 6.50
